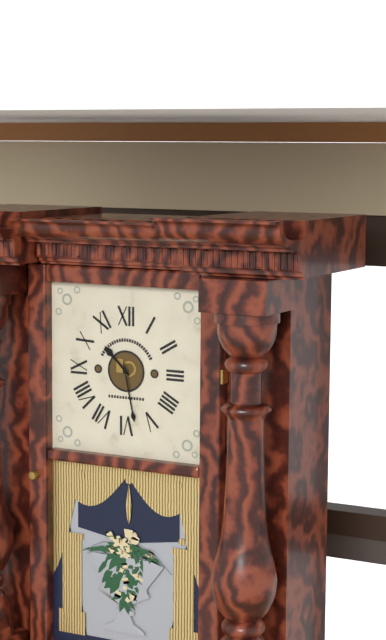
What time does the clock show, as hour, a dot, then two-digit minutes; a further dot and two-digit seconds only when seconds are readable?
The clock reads 10.28
